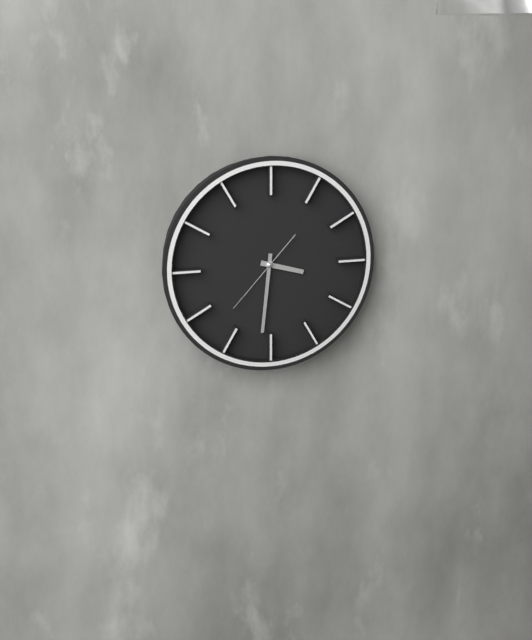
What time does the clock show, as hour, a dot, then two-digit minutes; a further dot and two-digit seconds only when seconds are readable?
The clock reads 3.31.37
